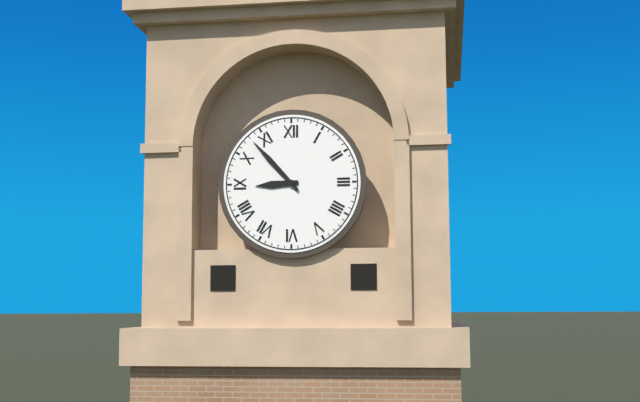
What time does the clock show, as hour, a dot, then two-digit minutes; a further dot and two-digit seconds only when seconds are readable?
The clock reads 8.53
